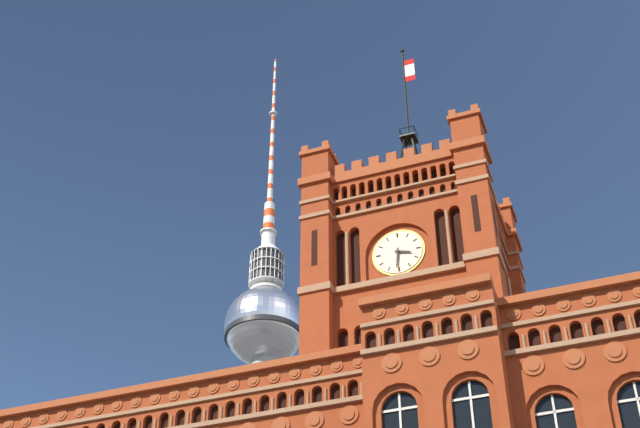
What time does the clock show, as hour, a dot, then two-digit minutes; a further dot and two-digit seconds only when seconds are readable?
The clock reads 3.31
